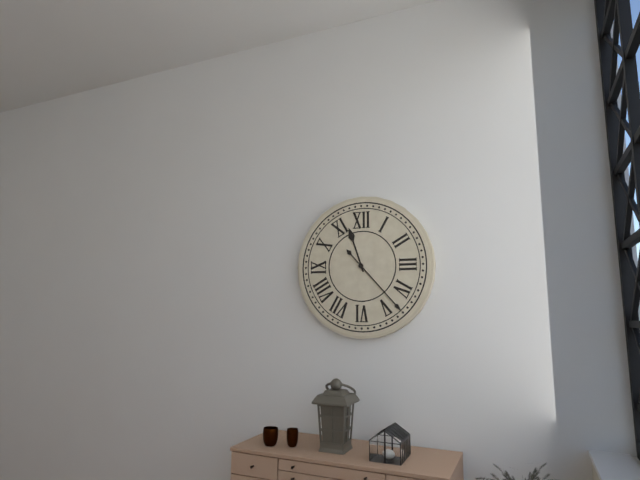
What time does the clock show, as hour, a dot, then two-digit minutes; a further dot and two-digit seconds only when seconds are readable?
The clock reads 11.23
